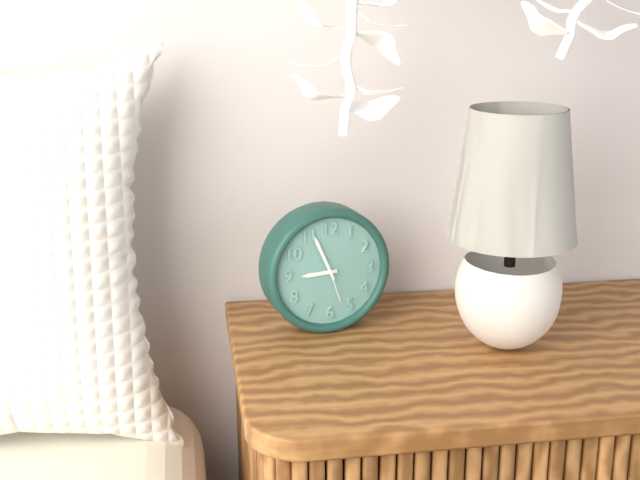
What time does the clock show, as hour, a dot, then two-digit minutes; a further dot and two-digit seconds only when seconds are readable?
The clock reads 8.56
